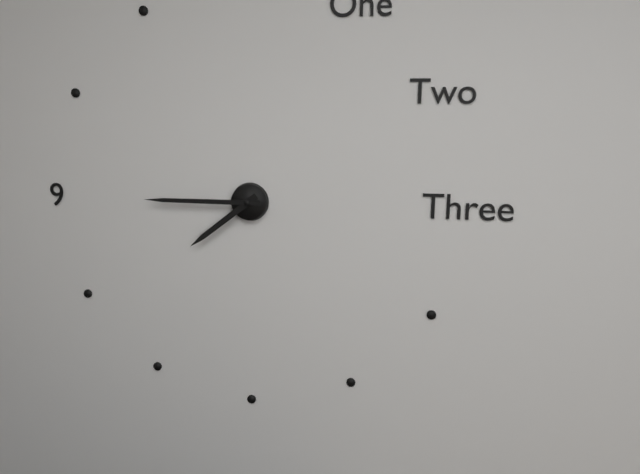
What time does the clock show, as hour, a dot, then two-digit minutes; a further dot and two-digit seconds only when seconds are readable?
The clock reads 7.45
